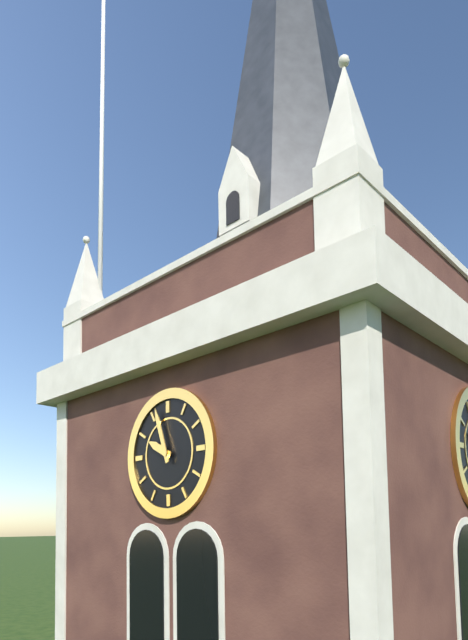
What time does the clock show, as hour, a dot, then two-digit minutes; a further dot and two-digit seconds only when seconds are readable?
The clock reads 9.57
